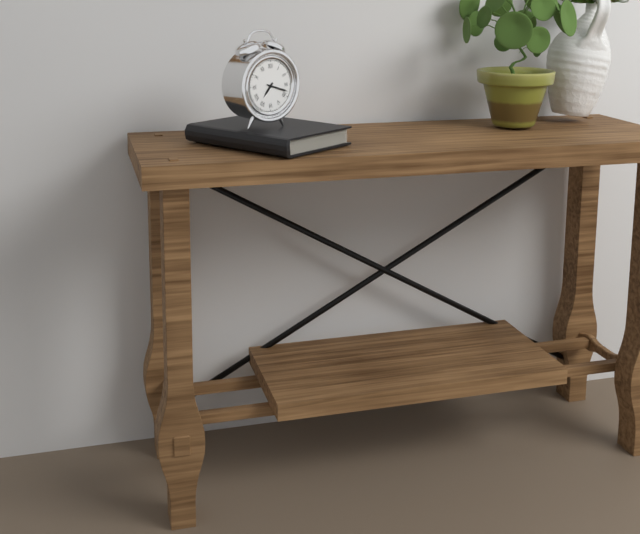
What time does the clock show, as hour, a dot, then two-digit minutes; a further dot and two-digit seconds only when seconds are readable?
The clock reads 7.18
